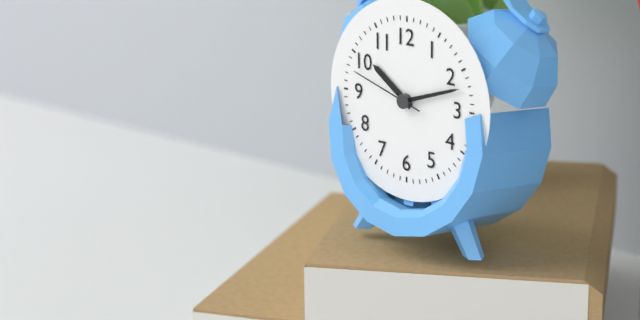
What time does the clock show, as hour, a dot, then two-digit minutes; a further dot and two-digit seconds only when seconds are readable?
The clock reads 10.12.48
